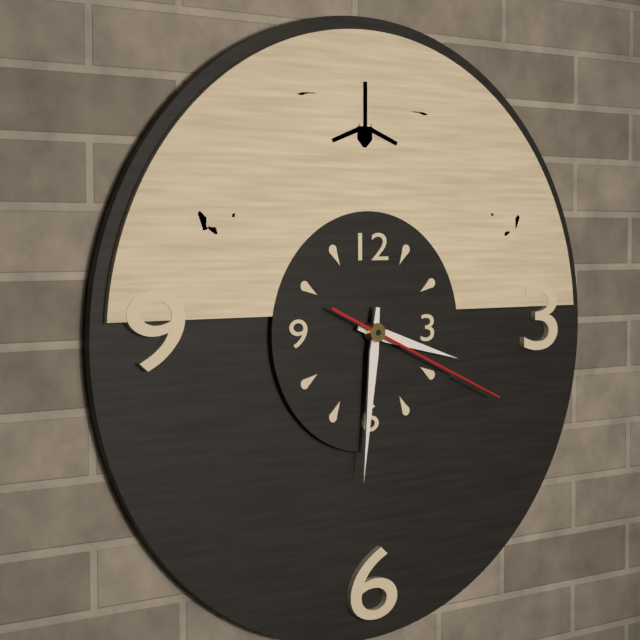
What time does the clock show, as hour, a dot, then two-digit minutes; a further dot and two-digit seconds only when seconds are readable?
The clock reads 3.31.19
